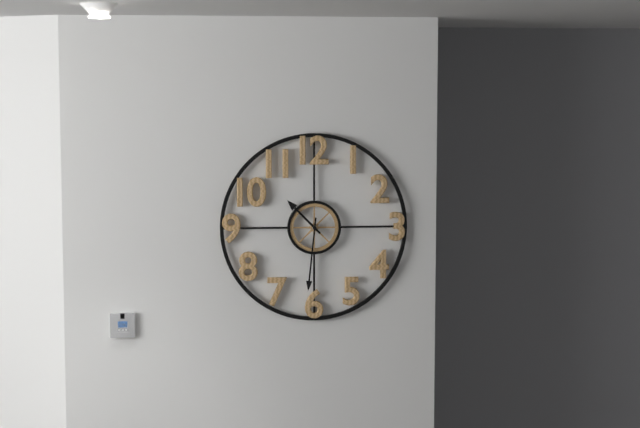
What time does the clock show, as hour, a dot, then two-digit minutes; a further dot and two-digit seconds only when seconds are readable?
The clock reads 10.31
